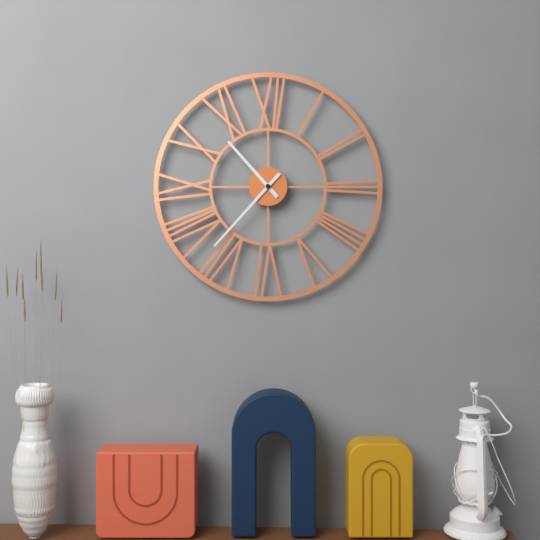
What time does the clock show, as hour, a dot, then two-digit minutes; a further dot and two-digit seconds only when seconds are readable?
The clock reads 10.37
